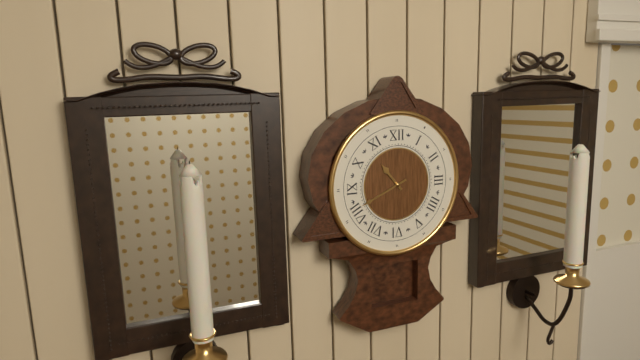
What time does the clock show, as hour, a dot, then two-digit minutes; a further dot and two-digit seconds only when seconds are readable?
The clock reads 10.41
